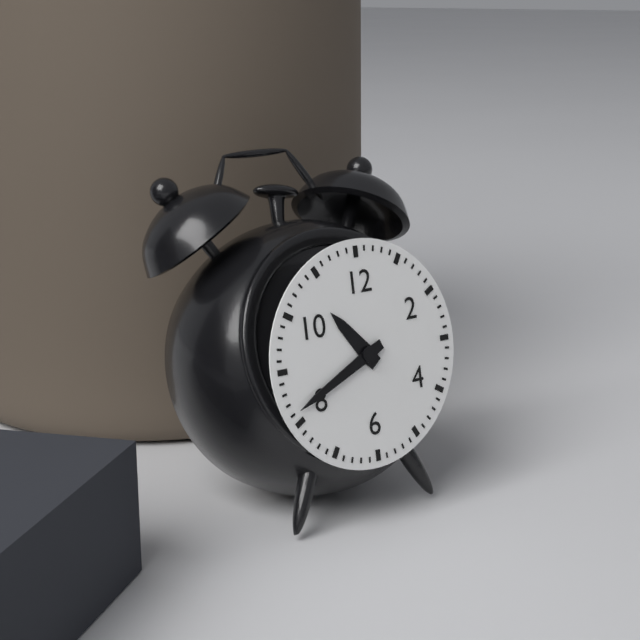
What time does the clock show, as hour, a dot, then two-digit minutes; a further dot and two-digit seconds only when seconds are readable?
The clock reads 10.41
